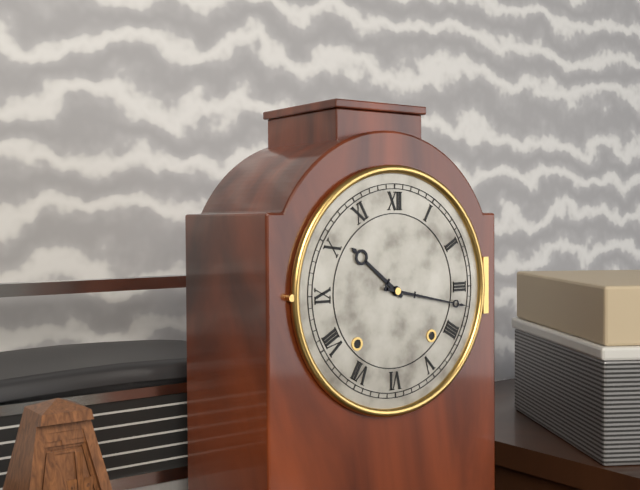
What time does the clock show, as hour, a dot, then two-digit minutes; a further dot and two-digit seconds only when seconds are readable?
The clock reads 10.17
